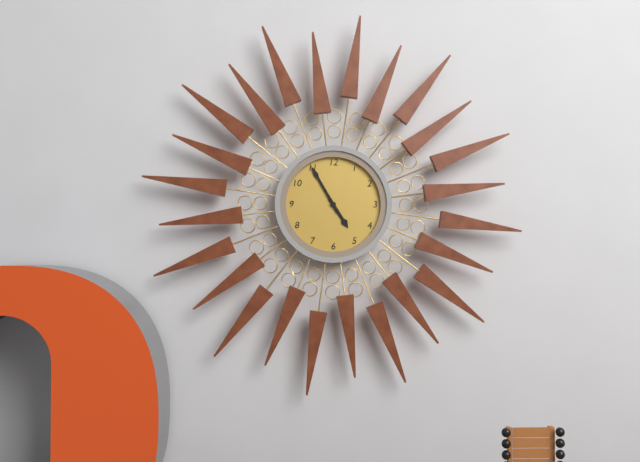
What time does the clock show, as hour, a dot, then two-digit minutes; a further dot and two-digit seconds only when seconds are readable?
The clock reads 4.55
